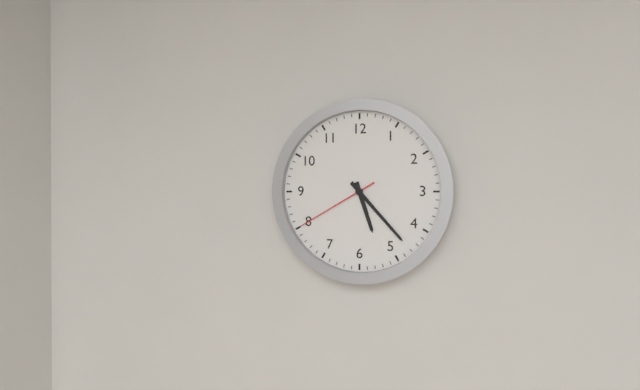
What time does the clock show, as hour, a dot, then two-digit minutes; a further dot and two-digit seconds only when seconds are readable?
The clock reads 5.23.40
